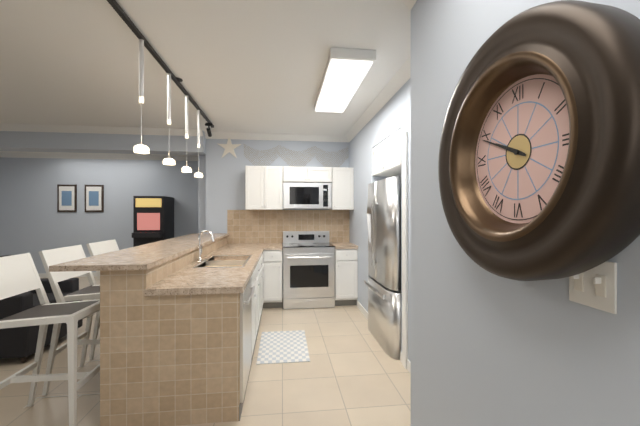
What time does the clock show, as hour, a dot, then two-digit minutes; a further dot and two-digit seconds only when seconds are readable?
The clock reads 9.49
